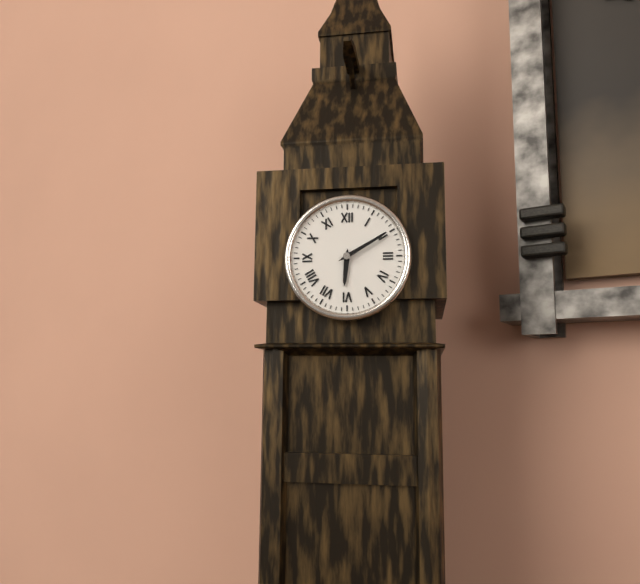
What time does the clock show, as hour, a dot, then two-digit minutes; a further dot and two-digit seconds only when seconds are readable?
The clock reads 6.10
